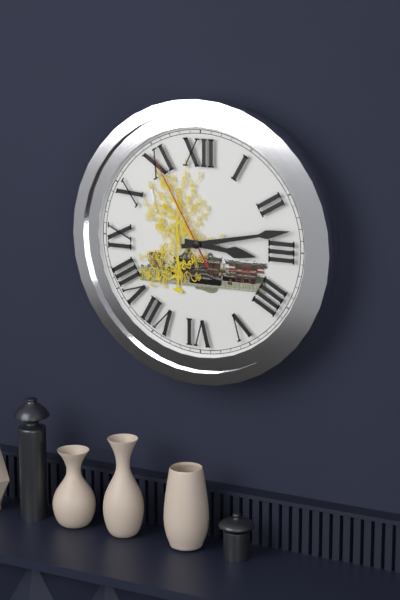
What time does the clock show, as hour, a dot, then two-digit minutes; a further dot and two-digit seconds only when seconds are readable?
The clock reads 3.13.55
